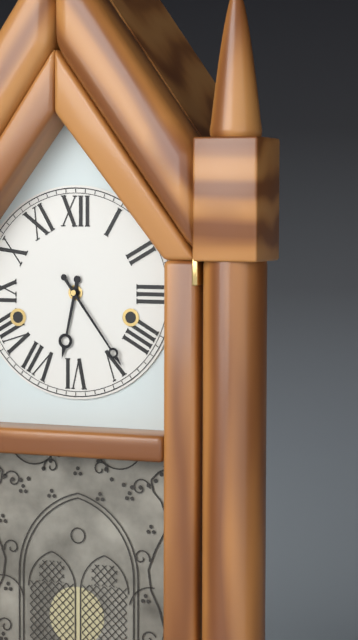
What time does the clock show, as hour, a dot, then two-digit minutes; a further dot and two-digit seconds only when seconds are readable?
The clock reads 6.24
